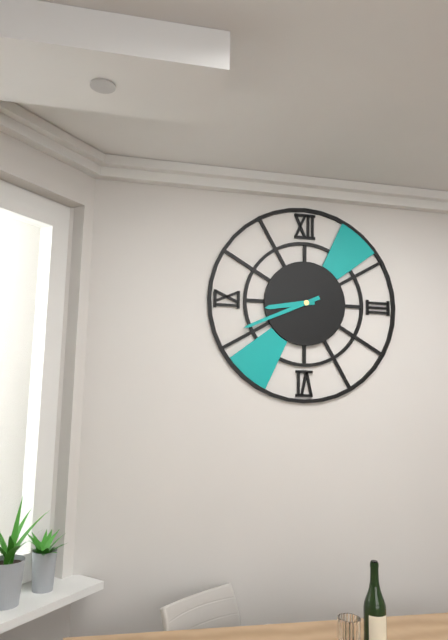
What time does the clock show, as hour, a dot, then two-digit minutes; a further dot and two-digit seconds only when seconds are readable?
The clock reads 8.41
